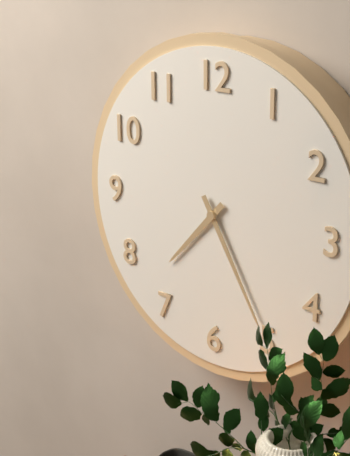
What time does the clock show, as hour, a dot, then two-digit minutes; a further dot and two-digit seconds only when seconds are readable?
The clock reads 7.25
